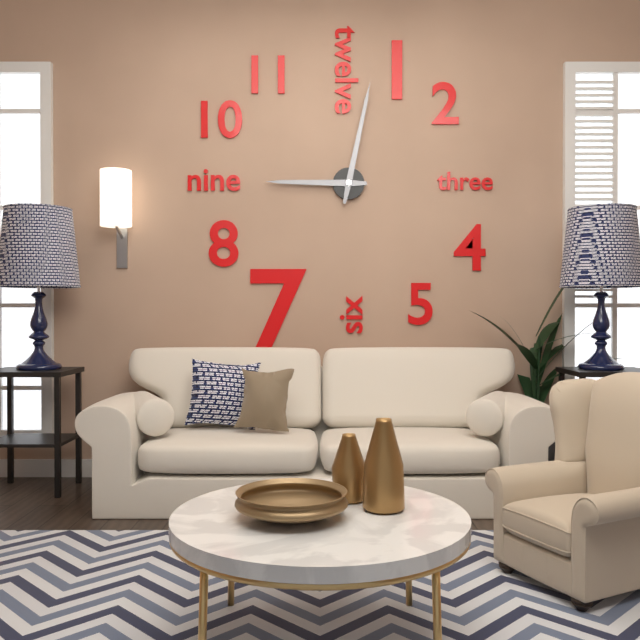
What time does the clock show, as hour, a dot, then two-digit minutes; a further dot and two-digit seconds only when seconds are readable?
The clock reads 9.02
